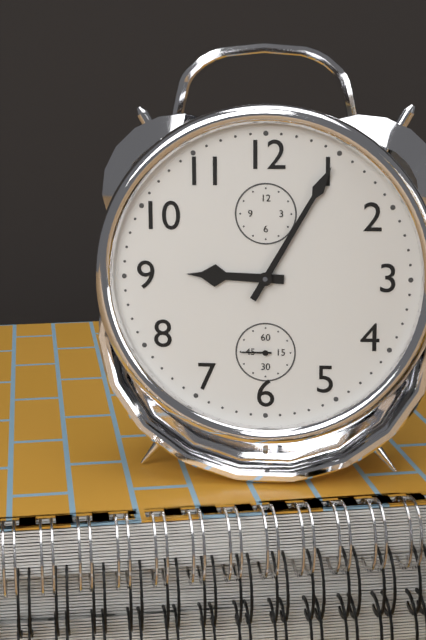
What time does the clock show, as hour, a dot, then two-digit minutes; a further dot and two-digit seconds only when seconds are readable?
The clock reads 9.05
